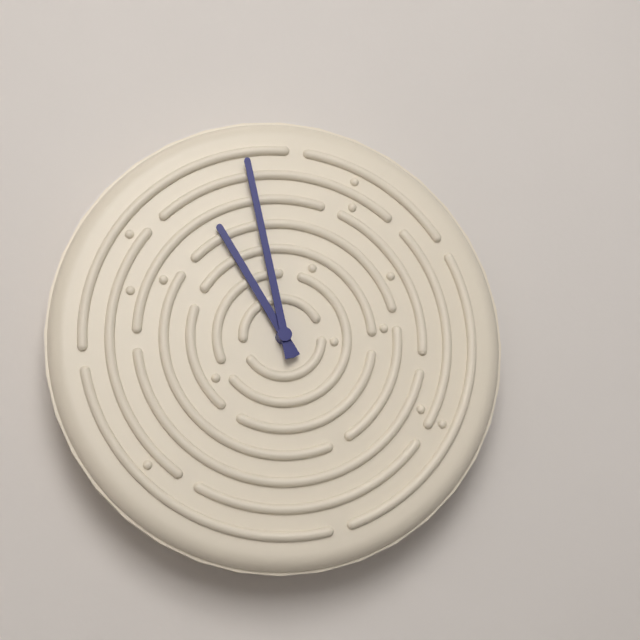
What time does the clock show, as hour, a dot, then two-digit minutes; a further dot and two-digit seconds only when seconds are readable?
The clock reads 10.58
